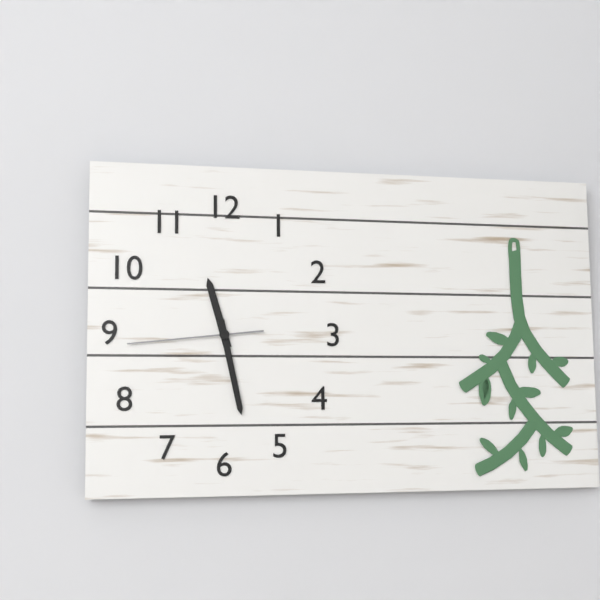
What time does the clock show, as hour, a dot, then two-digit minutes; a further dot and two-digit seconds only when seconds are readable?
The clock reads 11.28.44
